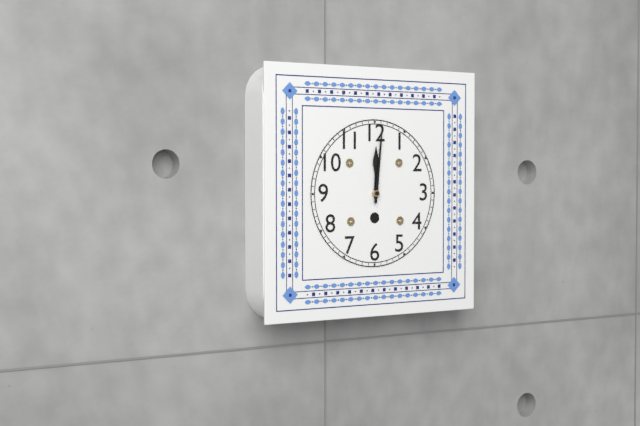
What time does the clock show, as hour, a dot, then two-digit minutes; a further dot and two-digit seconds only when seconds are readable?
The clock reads 12.01
